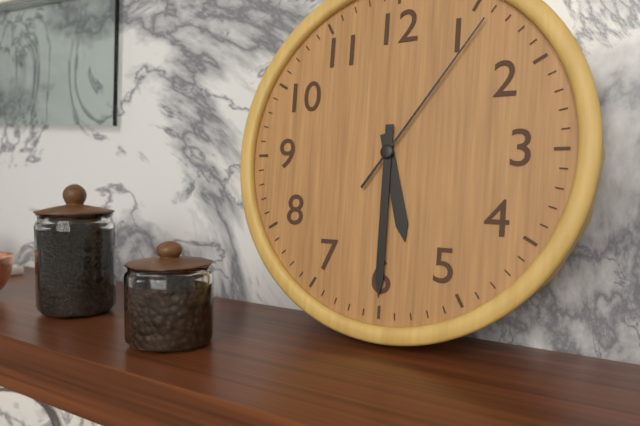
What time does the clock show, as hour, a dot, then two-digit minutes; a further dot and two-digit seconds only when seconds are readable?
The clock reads 5.30.06
